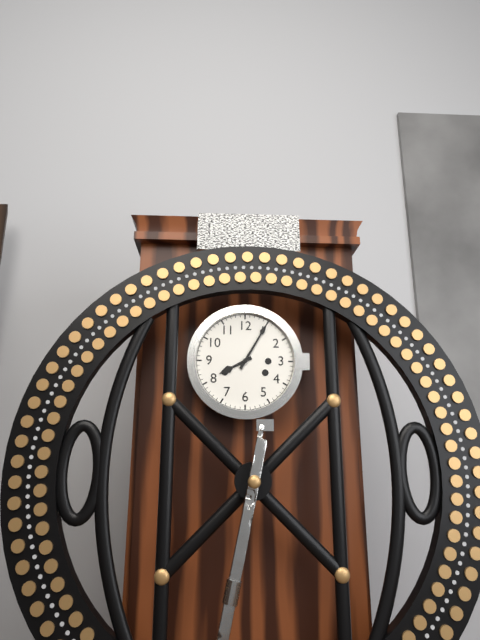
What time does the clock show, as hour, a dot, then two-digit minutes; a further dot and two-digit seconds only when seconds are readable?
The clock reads 8.05
